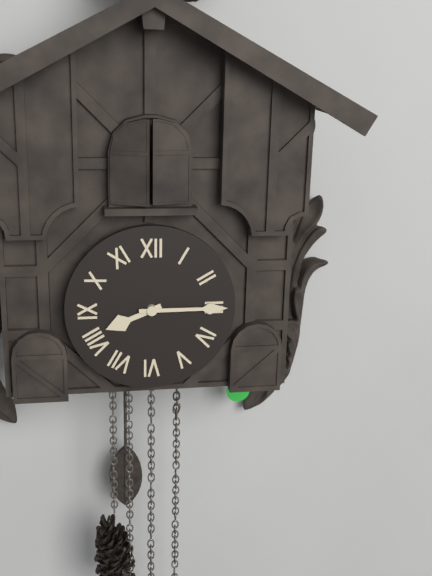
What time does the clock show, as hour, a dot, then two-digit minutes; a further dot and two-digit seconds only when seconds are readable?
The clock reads 8.15
